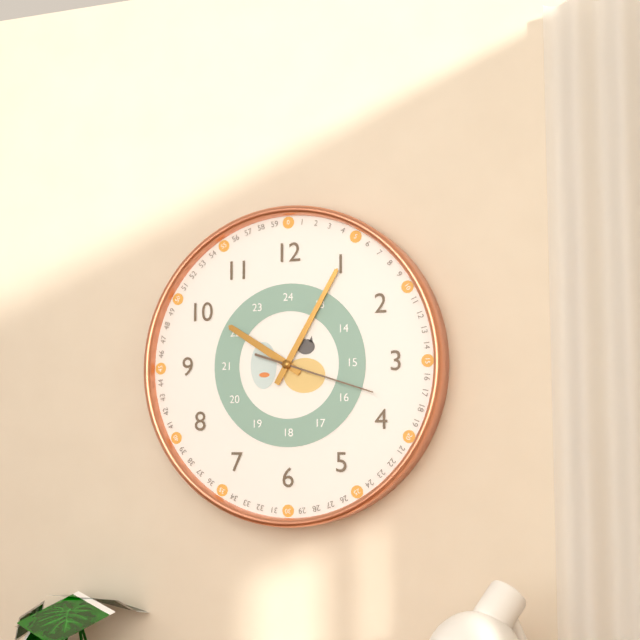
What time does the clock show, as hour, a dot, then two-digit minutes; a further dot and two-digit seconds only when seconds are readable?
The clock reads 10.05.18
